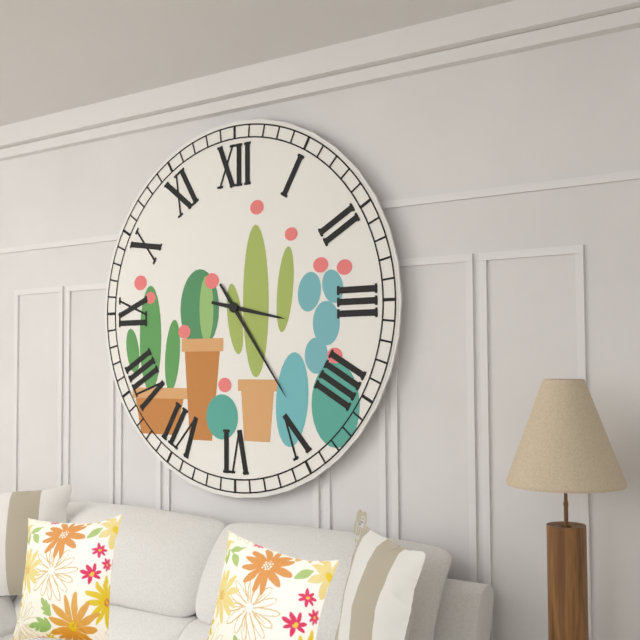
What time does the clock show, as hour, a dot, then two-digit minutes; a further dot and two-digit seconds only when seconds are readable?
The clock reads 3.24
